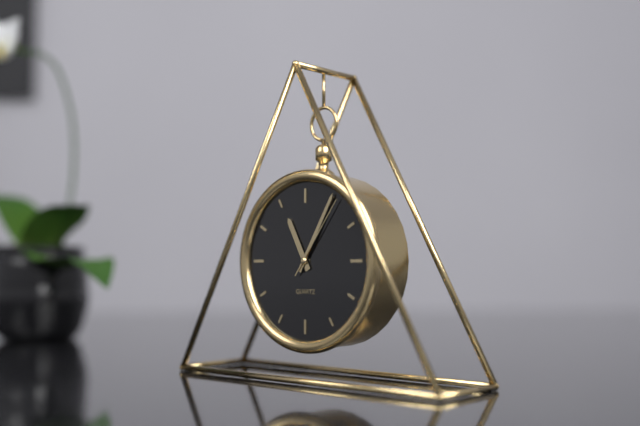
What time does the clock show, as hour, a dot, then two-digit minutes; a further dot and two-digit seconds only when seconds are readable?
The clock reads 11.05.06
